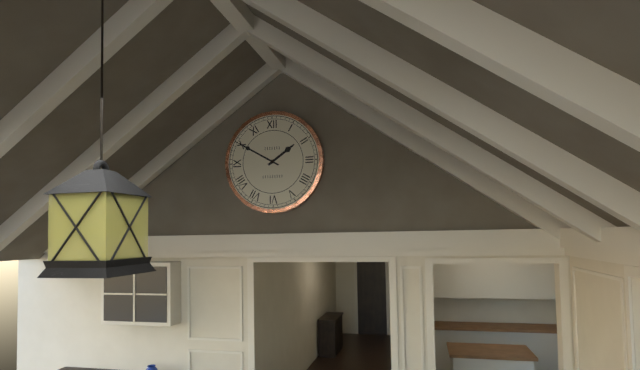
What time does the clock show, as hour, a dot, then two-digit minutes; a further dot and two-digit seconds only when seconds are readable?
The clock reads 1.50
